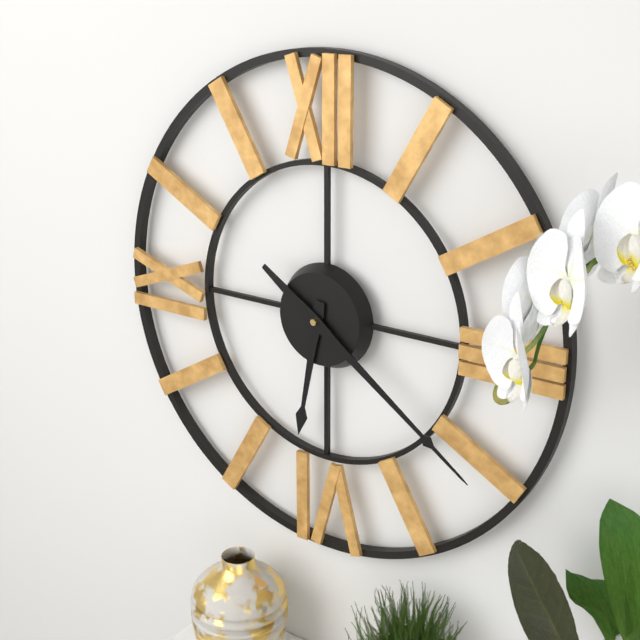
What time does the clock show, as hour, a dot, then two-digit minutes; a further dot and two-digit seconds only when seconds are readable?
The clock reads 6.21
